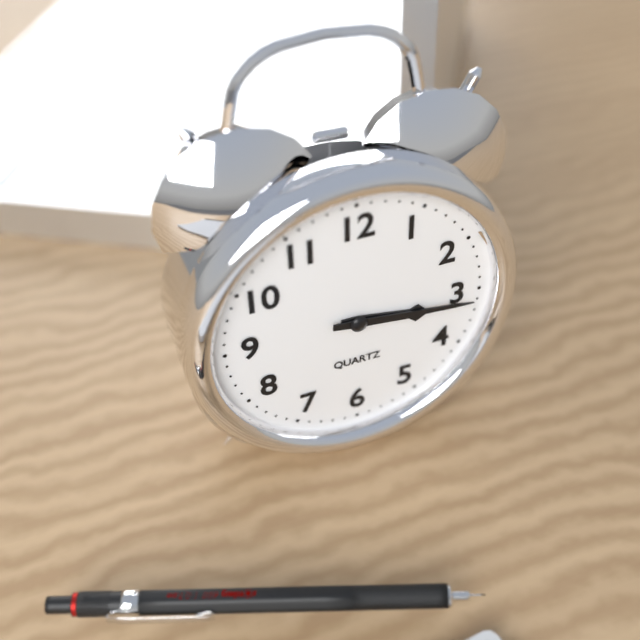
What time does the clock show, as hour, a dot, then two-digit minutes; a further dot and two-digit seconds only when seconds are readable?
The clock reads 3.16
